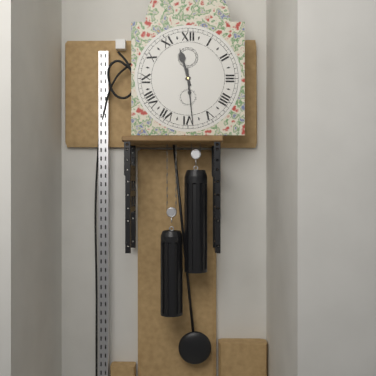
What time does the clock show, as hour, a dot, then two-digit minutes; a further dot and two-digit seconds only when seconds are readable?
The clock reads 11.29
